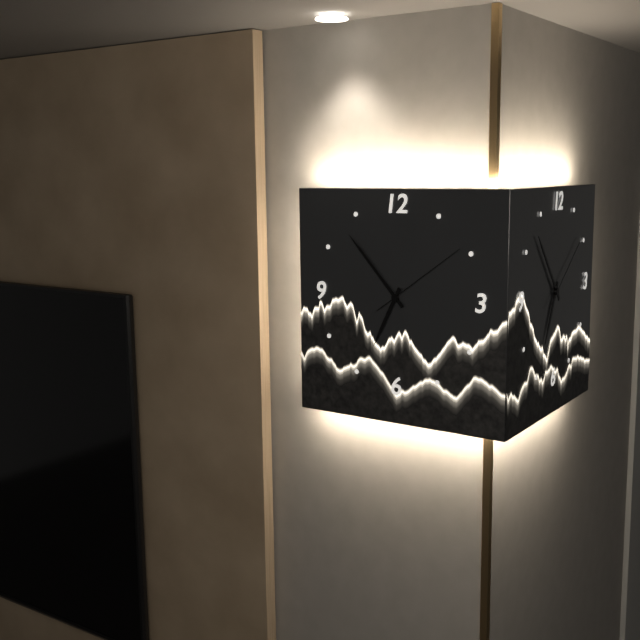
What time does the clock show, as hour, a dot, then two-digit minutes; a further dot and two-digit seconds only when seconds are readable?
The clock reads 6.53.09
